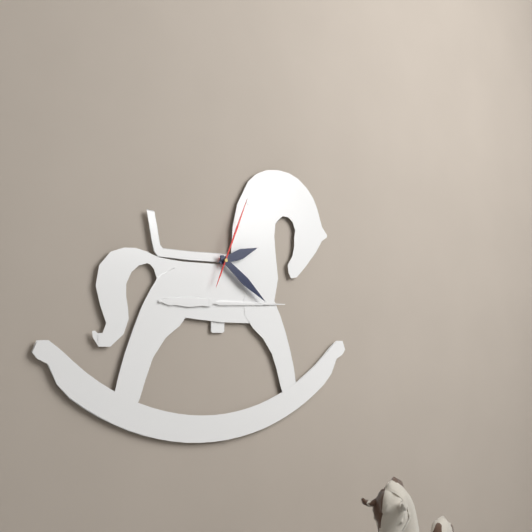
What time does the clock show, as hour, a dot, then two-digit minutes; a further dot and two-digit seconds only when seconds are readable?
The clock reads 2.21.04
